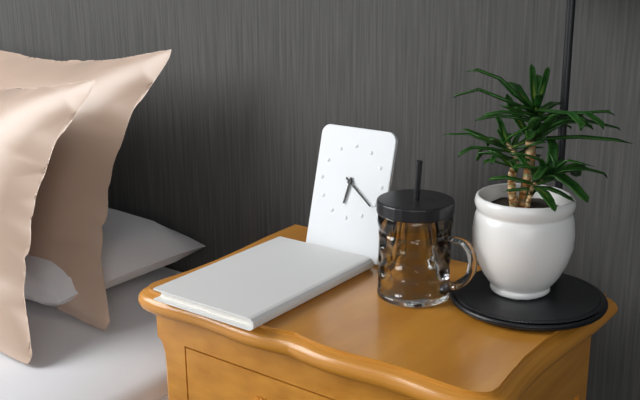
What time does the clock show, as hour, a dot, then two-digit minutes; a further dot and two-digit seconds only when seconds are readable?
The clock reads 6.21
